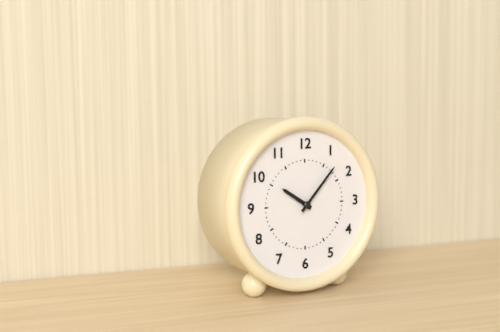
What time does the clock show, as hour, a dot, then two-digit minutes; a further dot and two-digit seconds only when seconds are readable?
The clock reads 10.07
